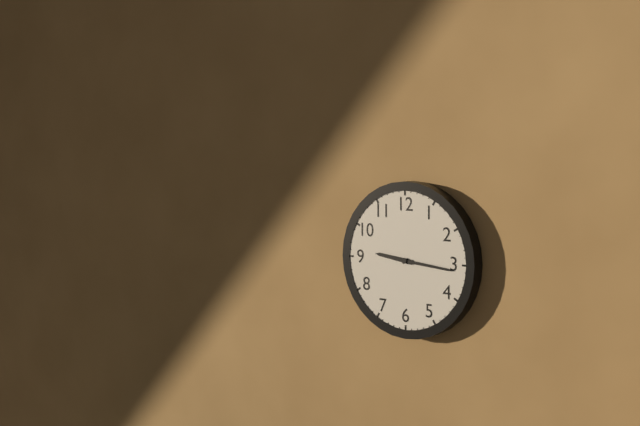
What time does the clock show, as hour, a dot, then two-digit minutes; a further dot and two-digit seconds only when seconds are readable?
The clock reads 9.16
